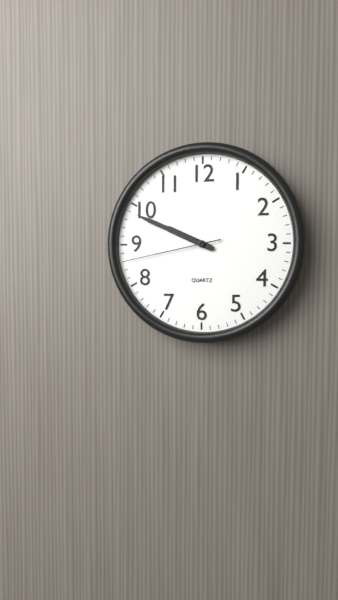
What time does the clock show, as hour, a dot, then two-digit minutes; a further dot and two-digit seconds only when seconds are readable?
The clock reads 9.49.43
